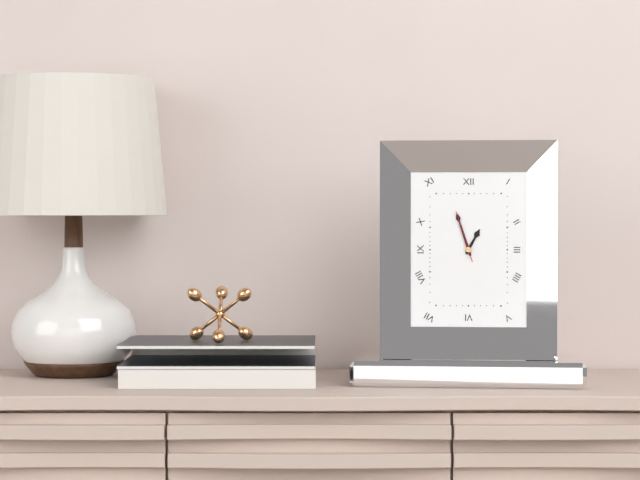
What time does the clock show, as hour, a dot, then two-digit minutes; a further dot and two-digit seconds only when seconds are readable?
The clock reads 12.57.57
